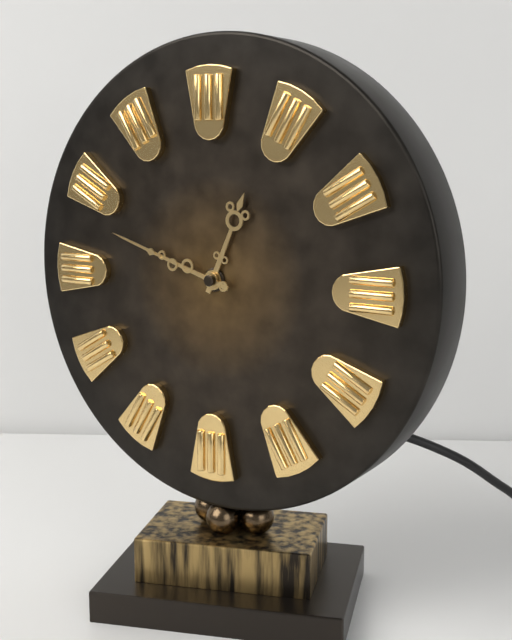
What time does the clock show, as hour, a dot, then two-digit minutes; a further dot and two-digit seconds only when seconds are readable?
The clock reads 12.48
